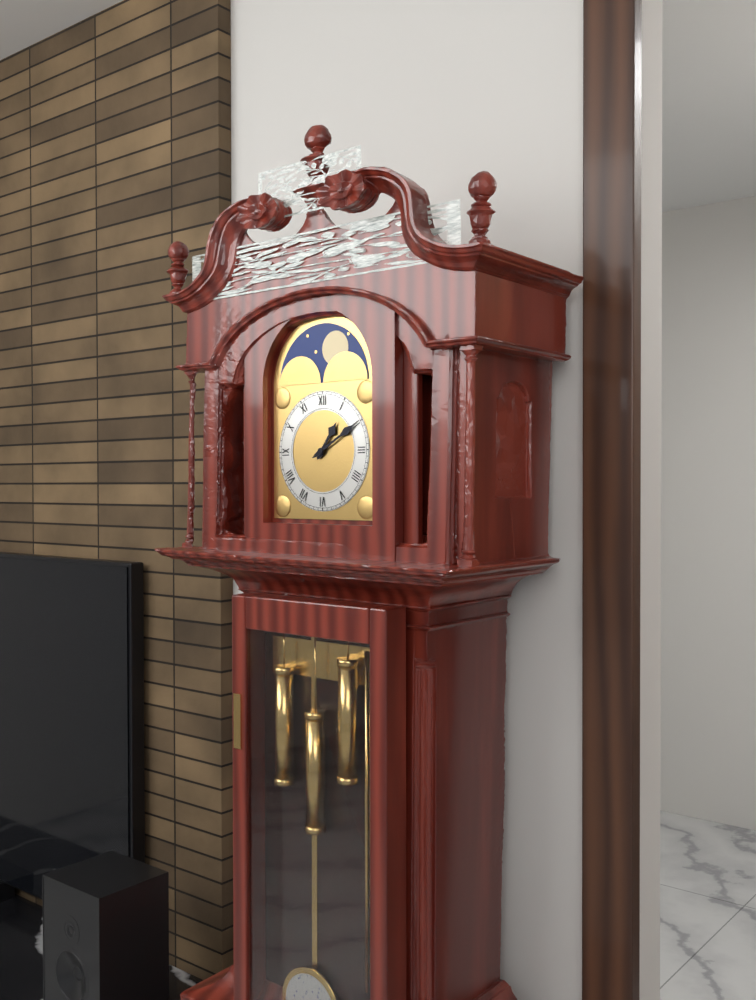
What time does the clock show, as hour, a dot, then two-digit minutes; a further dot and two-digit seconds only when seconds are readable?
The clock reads 1.10
